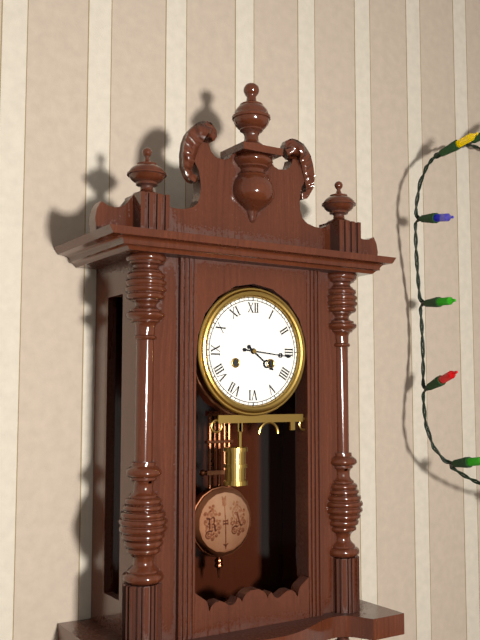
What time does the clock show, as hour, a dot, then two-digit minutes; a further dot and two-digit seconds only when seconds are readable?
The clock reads 4.16
